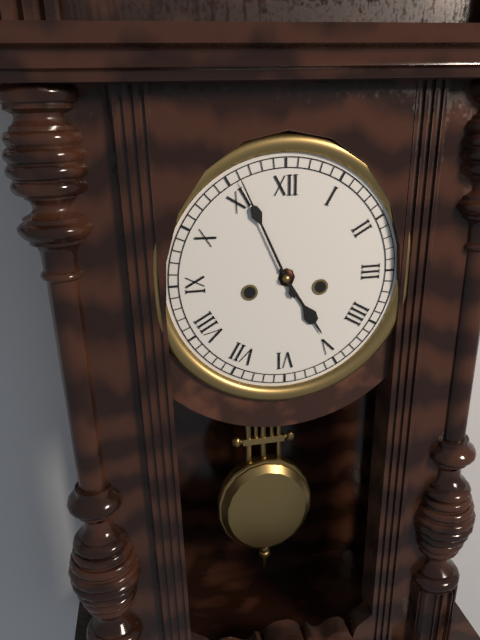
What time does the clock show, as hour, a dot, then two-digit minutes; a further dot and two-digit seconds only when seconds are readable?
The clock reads 4.56
